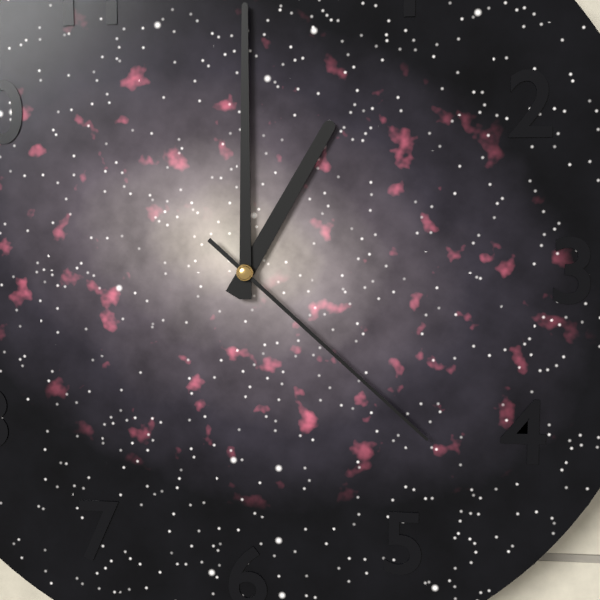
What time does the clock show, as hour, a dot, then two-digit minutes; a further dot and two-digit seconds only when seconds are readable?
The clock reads 1.00.22
